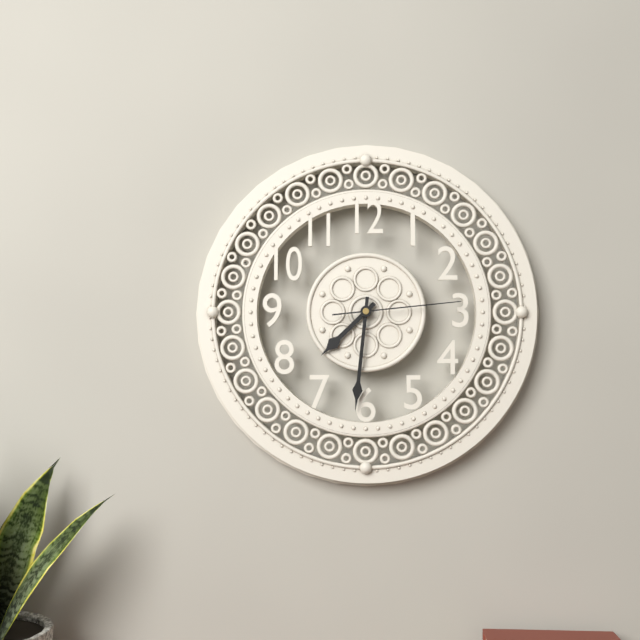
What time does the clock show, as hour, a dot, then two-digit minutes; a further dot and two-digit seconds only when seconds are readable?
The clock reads 7.31.14
